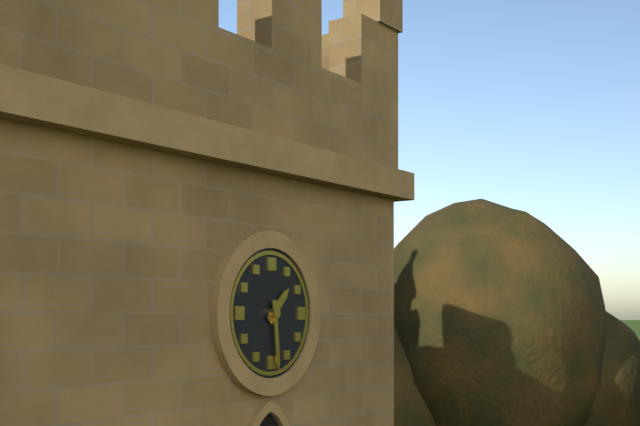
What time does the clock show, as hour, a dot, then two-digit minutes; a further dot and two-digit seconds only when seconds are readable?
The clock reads 1.29
